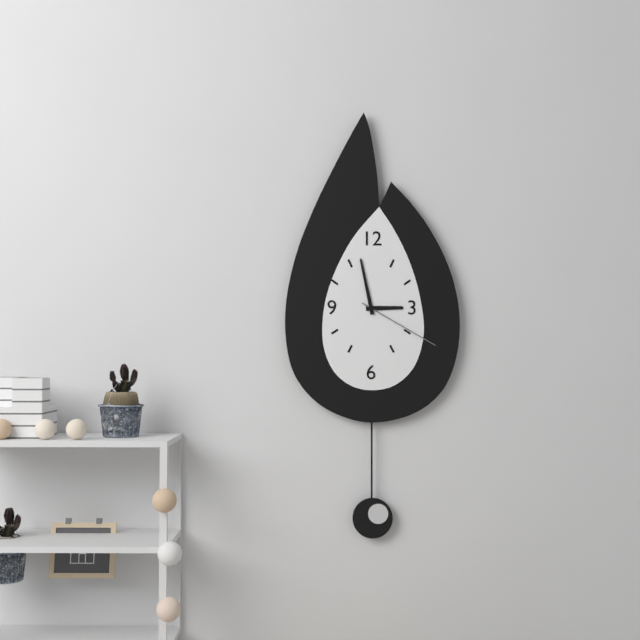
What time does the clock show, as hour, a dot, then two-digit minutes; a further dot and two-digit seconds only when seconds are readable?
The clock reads 2.58.20
